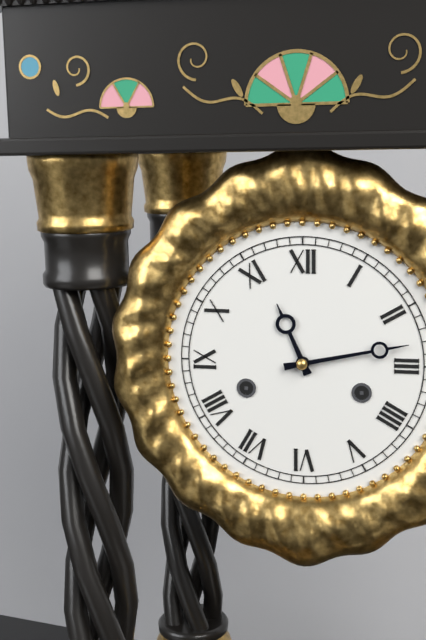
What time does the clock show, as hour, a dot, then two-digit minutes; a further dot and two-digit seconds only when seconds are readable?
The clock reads 11.13
